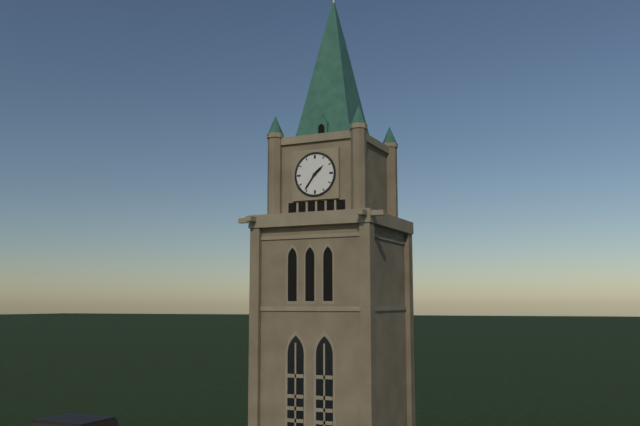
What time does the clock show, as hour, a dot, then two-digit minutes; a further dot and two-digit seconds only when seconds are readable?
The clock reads 1.36
